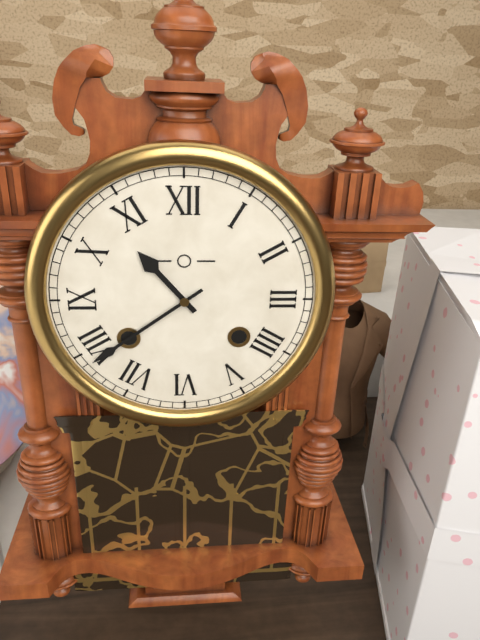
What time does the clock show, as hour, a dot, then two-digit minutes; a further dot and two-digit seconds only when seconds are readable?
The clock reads 10.39
